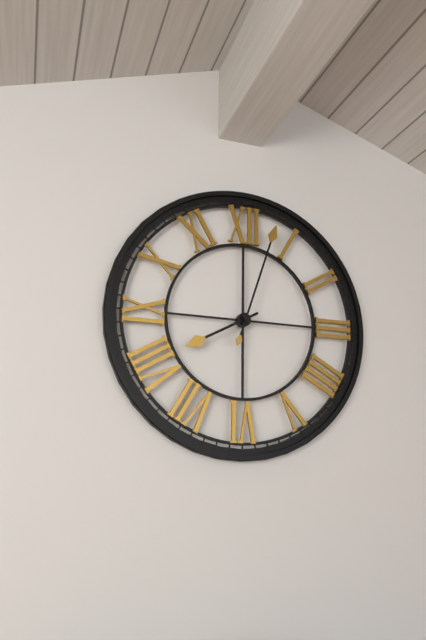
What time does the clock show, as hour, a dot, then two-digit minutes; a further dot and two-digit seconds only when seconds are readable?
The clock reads 8.03
